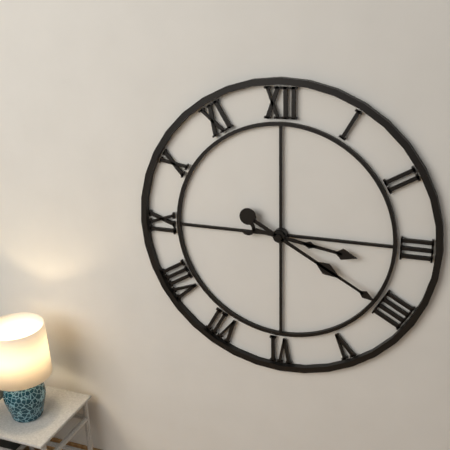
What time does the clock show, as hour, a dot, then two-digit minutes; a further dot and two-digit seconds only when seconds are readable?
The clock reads 3.20
